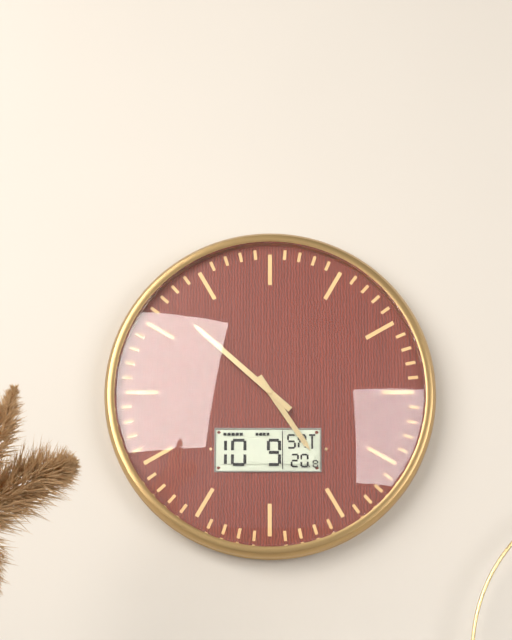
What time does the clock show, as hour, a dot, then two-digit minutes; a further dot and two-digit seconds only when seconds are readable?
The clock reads 4.52
